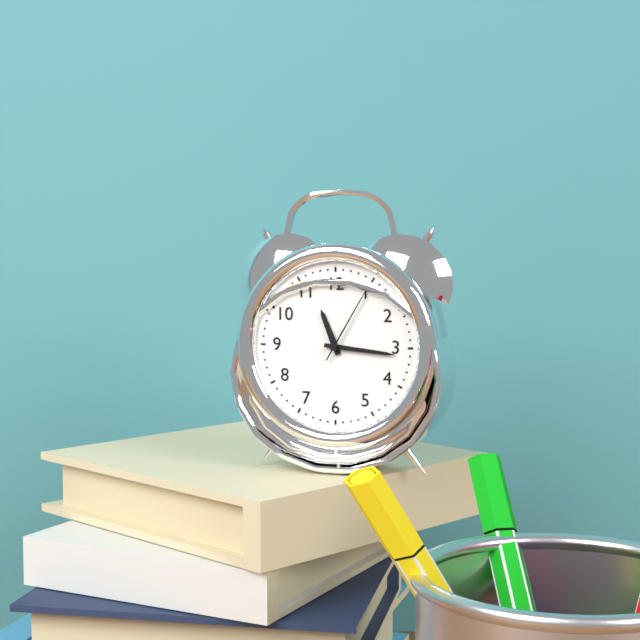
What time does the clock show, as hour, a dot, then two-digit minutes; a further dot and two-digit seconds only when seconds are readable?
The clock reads 11.16.05
